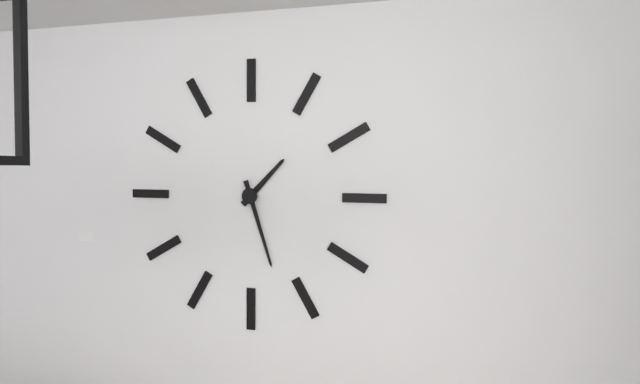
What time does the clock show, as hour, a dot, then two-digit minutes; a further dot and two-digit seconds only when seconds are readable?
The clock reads 1.27
